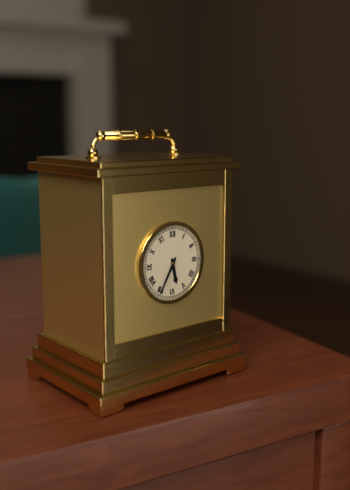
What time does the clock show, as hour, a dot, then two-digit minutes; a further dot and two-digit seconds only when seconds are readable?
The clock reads 5.35
